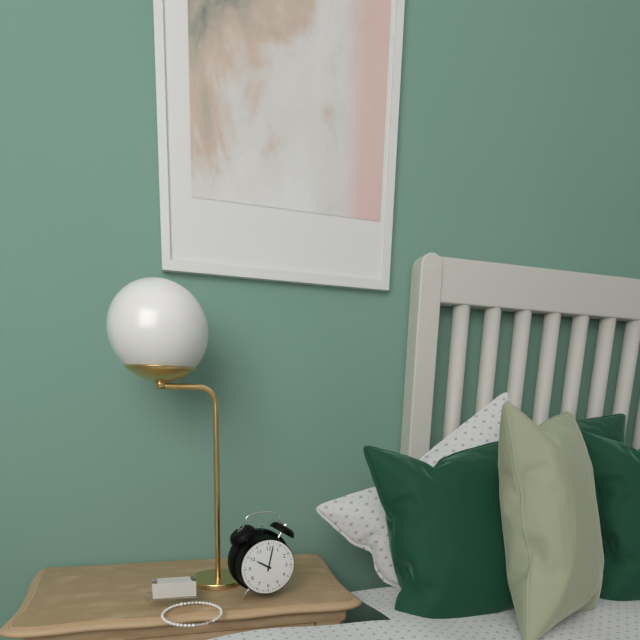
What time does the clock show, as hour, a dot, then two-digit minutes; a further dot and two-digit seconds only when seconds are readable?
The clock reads 10.02
